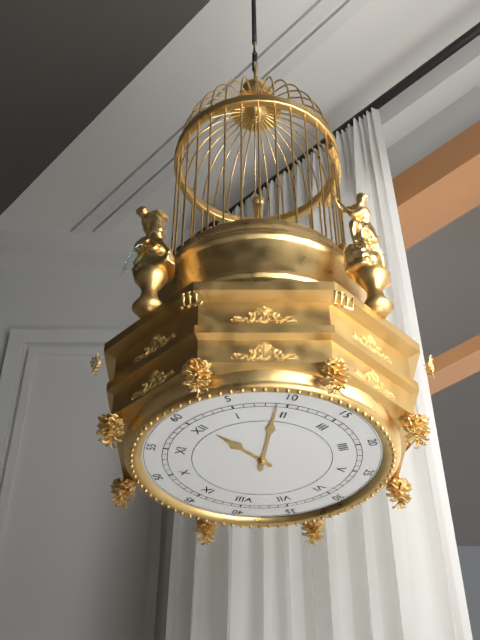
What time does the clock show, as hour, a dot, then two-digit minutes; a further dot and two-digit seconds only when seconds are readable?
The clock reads 12.09
